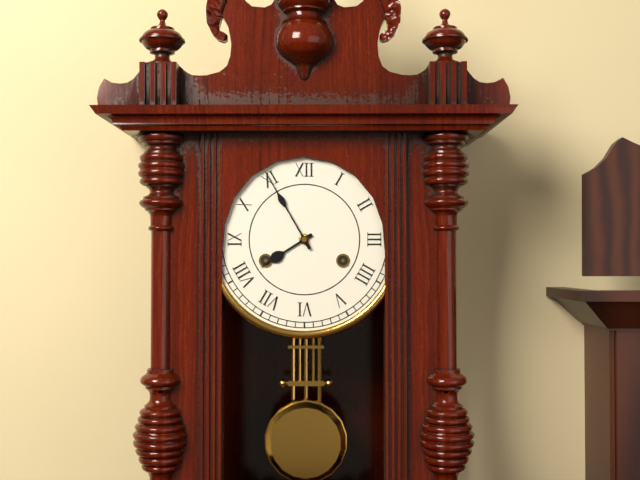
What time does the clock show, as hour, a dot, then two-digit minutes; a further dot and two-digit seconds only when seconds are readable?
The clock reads 7.55
